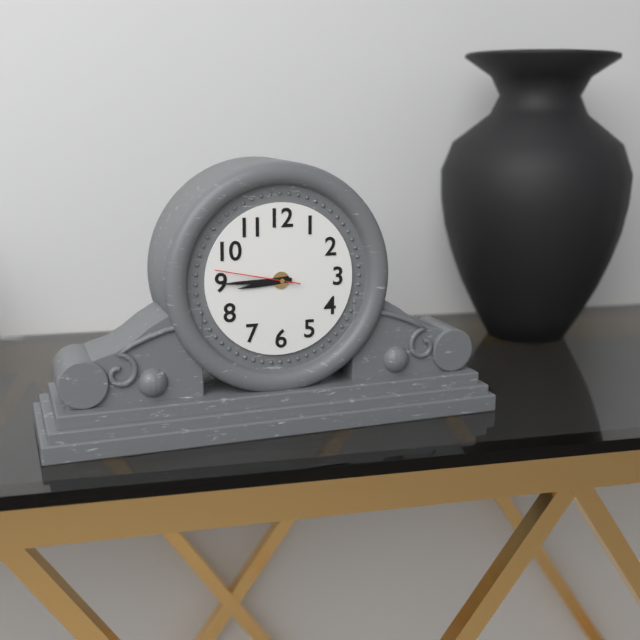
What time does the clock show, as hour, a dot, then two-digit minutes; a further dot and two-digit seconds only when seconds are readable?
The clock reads 8.45.47
